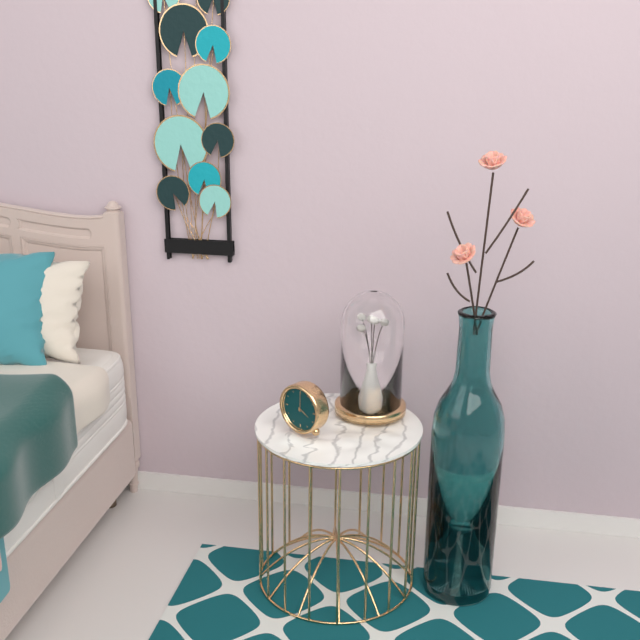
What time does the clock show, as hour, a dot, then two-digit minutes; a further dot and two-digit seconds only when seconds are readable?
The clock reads 4.00
